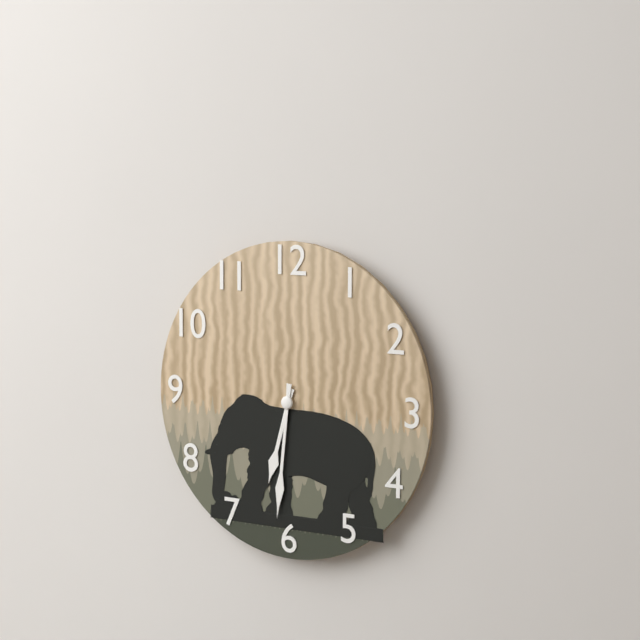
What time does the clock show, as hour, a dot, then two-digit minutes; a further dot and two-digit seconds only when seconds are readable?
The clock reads 6.31
